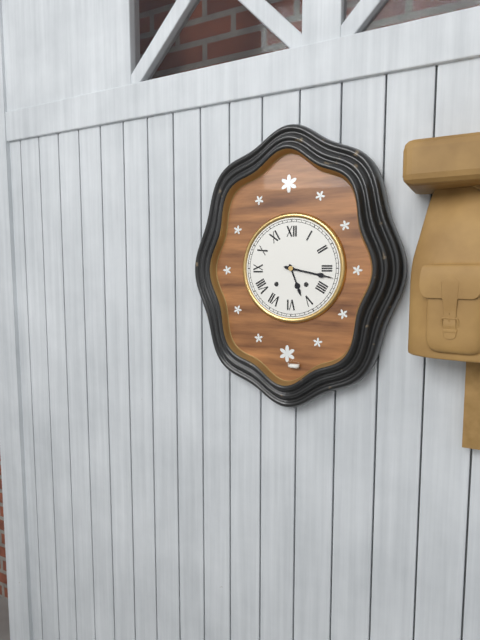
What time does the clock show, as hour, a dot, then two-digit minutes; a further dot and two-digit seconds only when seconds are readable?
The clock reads 5.17
